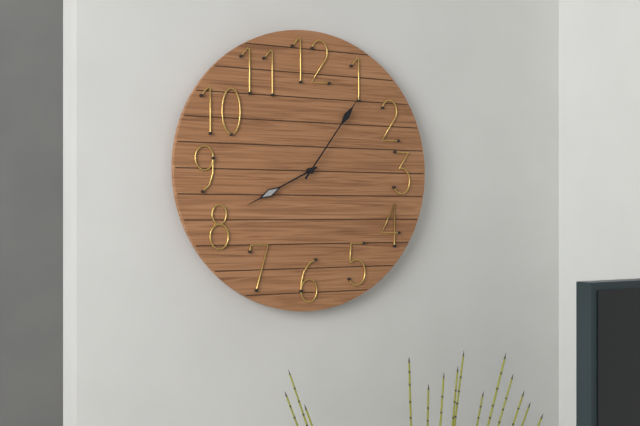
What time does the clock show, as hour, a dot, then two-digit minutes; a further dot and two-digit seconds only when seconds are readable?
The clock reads 8.06
